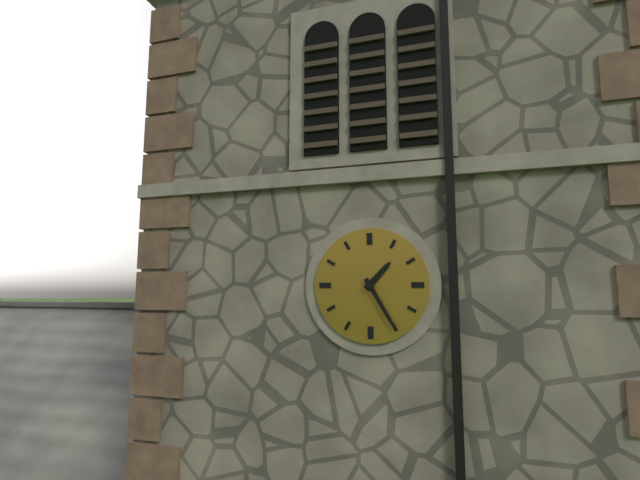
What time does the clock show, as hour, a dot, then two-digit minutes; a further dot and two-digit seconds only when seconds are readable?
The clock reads 1.25
